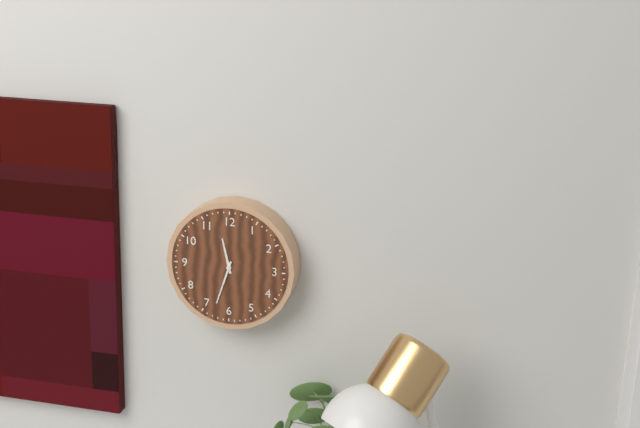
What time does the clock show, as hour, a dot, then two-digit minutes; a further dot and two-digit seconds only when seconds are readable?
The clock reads 11.33
